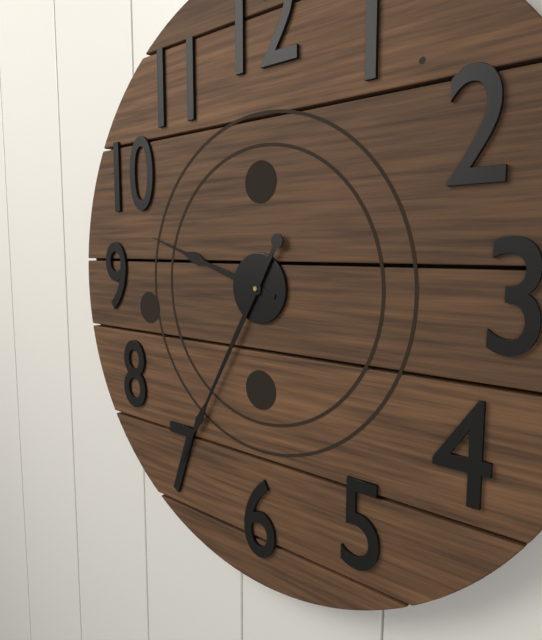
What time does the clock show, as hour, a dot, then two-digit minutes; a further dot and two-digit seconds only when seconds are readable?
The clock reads 9.35
